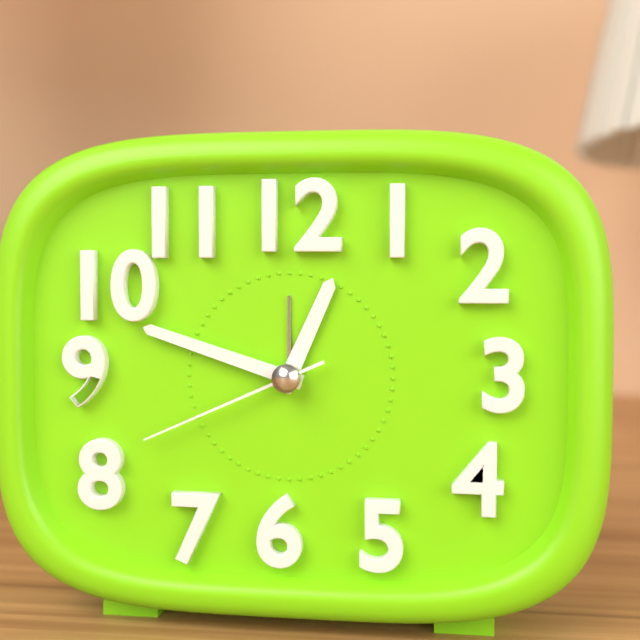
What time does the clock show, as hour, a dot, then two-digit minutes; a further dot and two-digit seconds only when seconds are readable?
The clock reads 12.48.41
